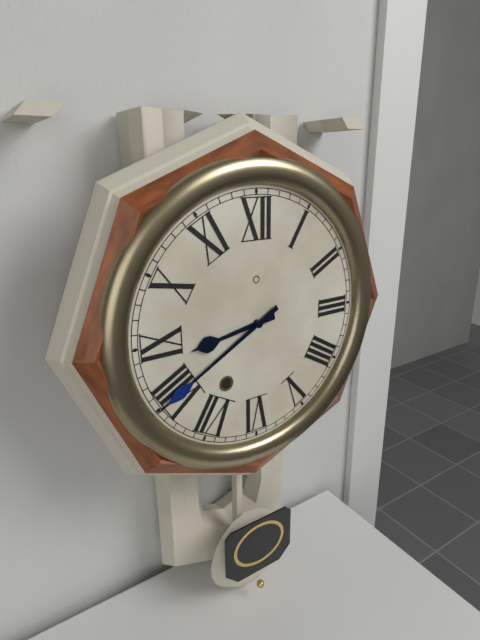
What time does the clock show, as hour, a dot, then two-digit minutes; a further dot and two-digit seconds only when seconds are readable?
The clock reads 8.40
